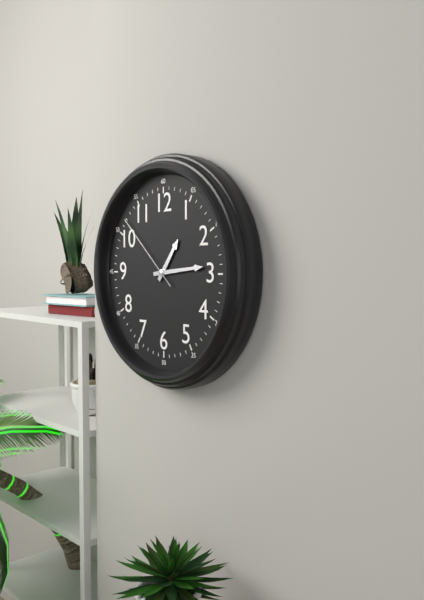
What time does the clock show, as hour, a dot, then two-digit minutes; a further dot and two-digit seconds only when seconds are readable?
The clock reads 1.14.52
